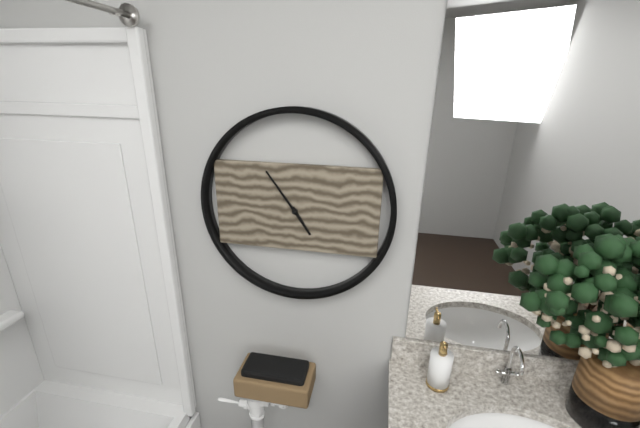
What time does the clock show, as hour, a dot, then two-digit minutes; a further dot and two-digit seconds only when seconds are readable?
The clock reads 4.54
